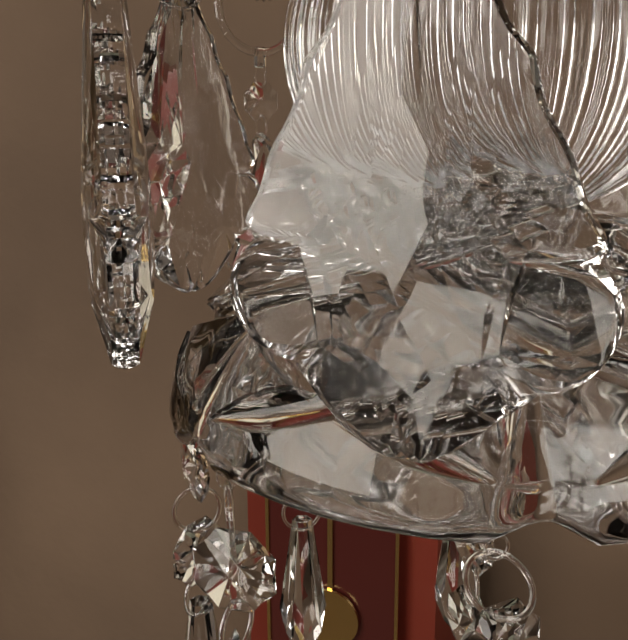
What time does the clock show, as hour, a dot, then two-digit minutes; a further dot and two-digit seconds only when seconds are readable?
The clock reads 3.16
